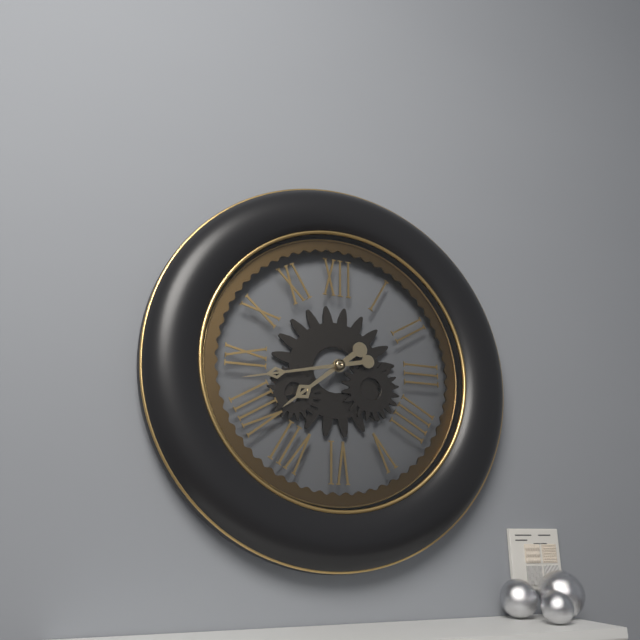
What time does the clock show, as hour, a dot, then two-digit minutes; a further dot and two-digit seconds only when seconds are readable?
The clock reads 7.43
